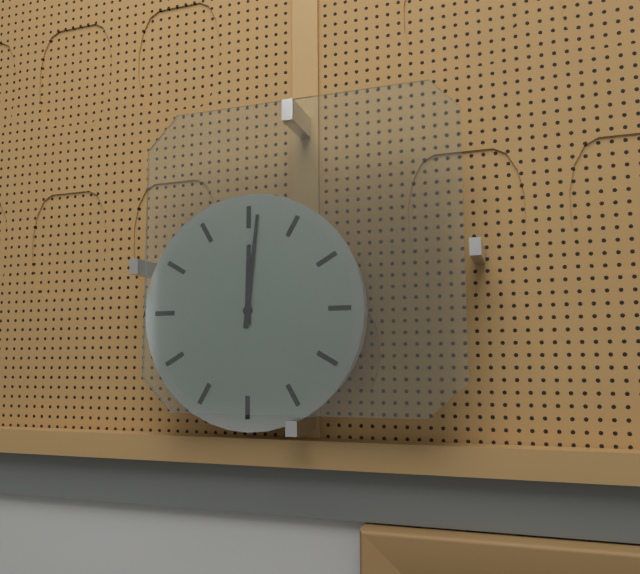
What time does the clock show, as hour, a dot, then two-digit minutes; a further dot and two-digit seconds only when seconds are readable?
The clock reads 12.01
